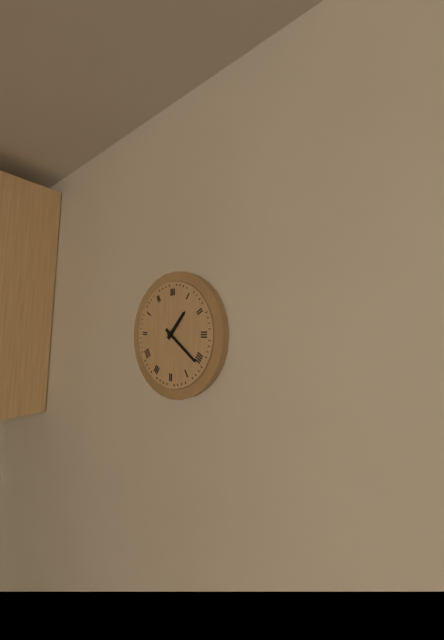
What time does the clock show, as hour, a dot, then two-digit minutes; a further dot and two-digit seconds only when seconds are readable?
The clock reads 1.21
